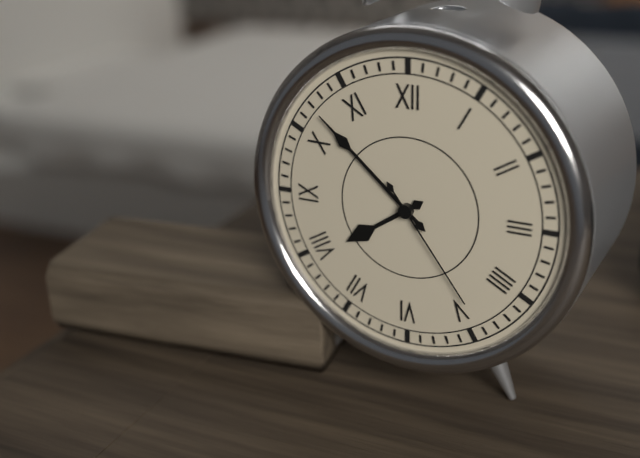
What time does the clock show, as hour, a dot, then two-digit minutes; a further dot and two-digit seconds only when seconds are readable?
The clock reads 7.52.24
